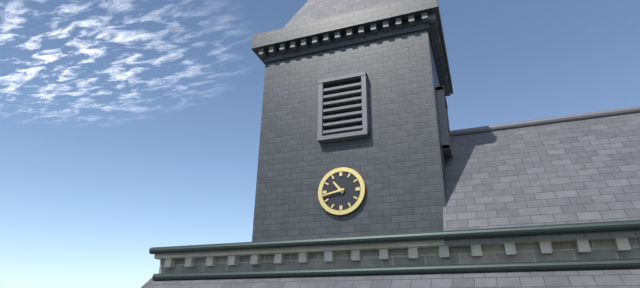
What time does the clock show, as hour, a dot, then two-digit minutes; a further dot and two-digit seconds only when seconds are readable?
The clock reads 10.43
